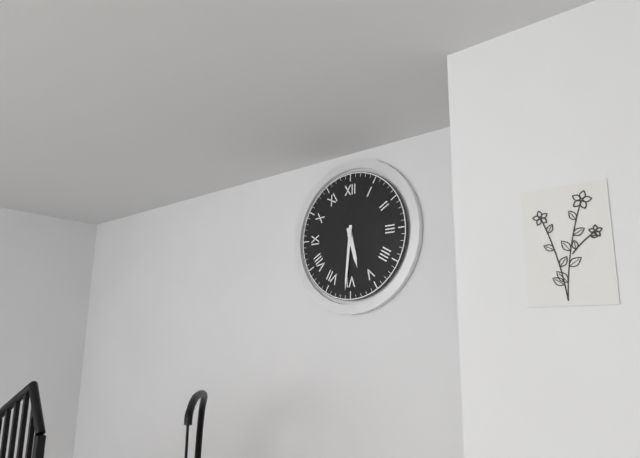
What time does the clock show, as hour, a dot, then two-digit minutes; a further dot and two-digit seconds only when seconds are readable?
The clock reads 5.31
